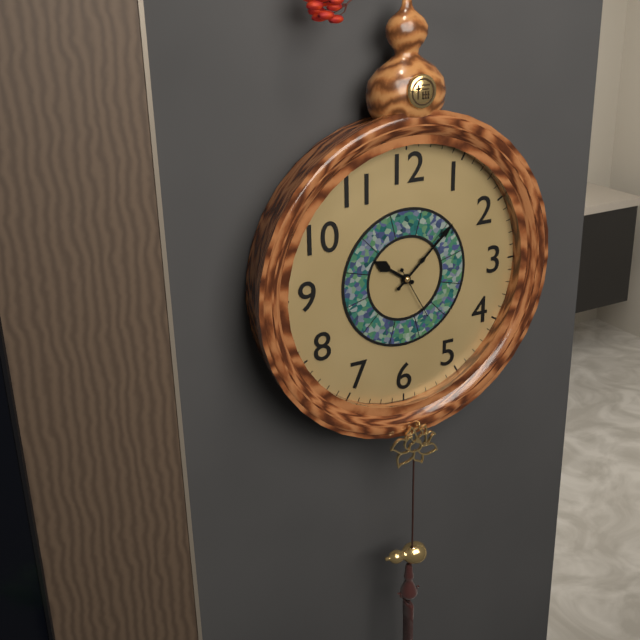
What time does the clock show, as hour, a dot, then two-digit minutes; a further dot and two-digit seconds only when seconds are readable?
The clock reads 10.08.25
